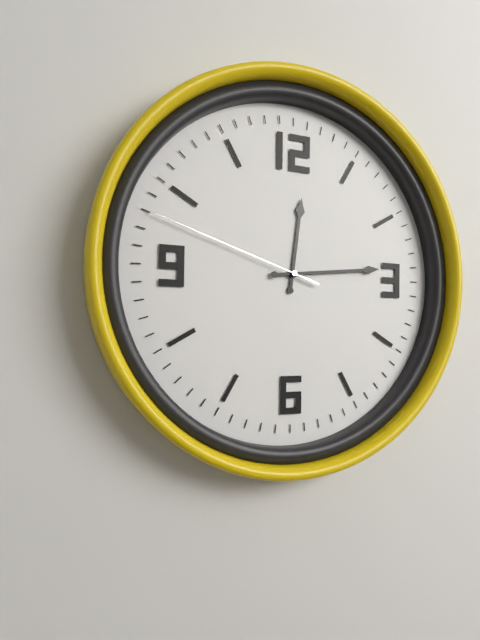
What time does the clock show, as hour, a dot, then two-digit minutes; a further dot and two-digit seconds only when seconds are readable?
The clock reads 12.14.48
